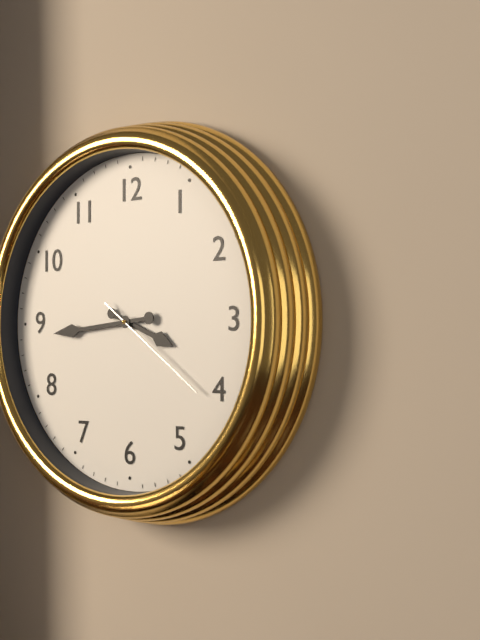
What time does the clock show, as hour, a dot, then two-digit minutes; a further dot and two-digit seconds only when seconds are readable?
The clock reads 3.44.21
